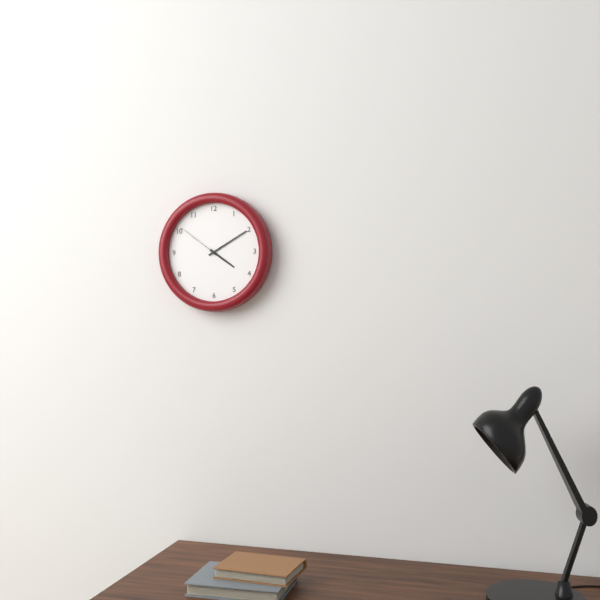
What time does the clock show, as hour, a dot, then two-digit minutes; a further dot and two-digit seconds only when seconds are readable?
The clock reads 4.10.51
